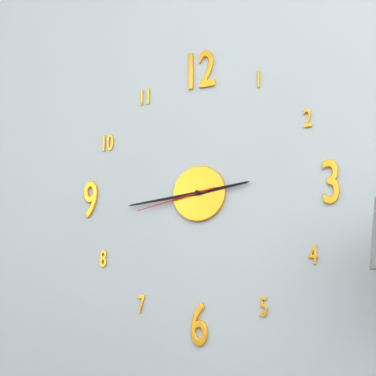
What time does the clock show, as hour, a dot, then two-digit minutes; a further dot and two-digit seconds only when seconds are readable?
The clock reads 2.44.43
